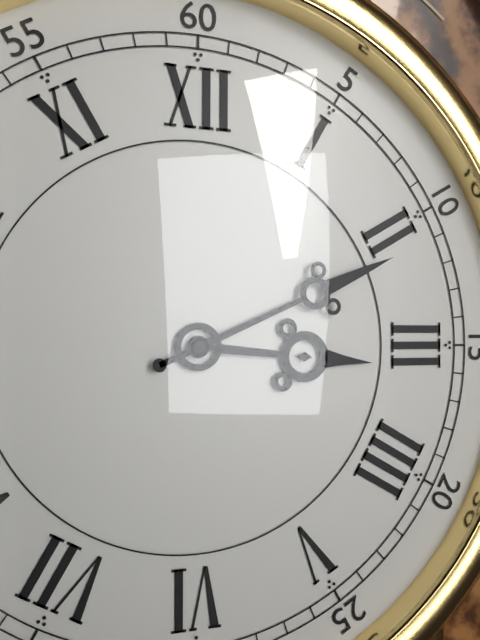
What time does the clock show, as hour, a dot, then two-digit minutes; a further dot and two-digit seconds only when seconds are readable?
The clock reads 3.11
